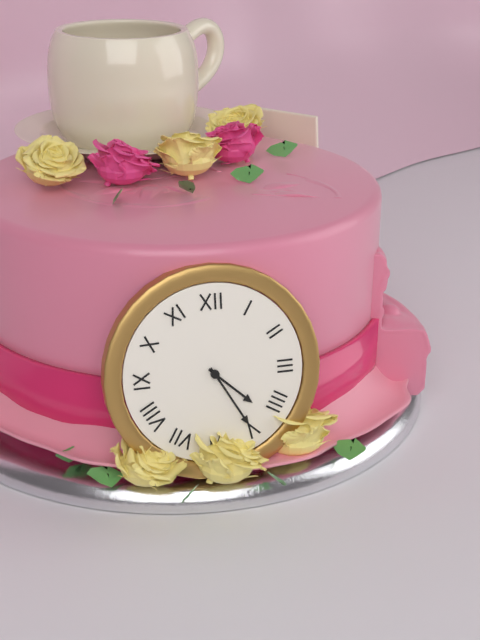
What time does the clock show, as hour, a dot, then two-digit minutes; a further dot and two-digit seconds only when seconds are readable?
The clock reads 4.25
